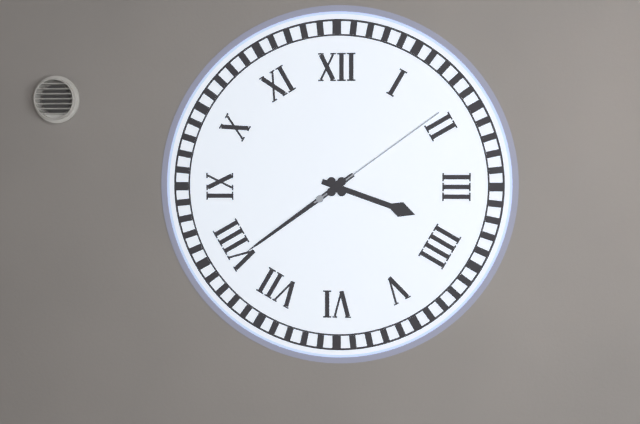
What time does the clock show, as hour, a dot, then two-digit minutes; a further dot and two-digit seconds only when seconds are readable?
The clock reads 3.39.09
